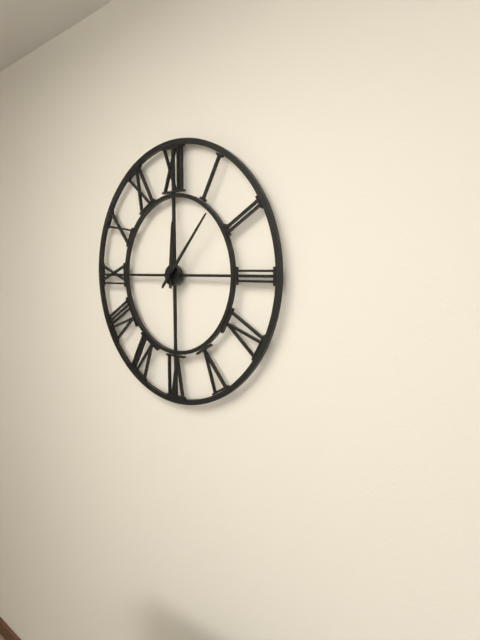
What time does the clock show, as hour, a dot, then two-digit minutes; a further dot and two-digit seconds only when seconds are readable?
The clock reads 12.07
